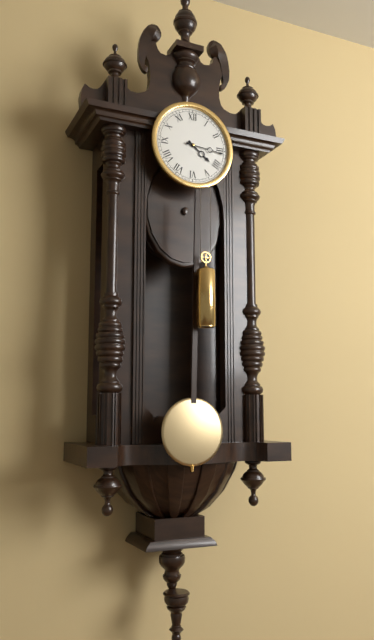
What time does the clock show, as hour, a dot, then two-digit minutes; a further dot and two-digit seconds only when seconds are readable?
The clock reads 4.16
